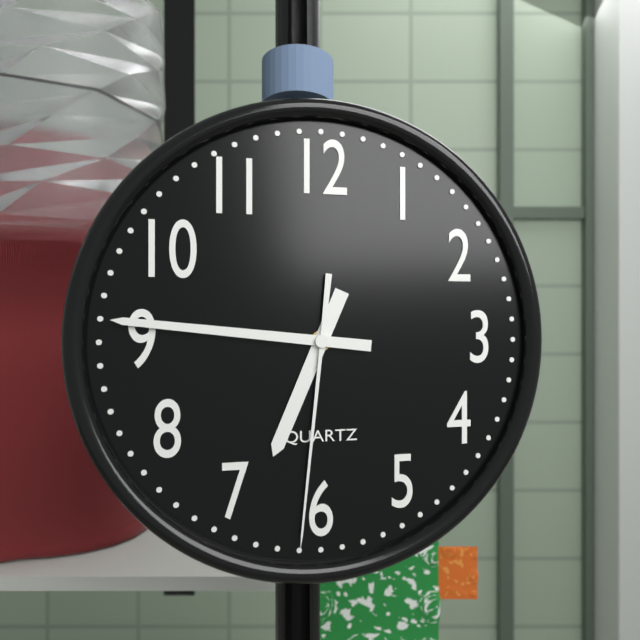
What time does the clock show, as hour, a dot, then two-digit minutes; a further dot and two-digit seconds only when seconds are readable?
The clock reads 6.46.31
